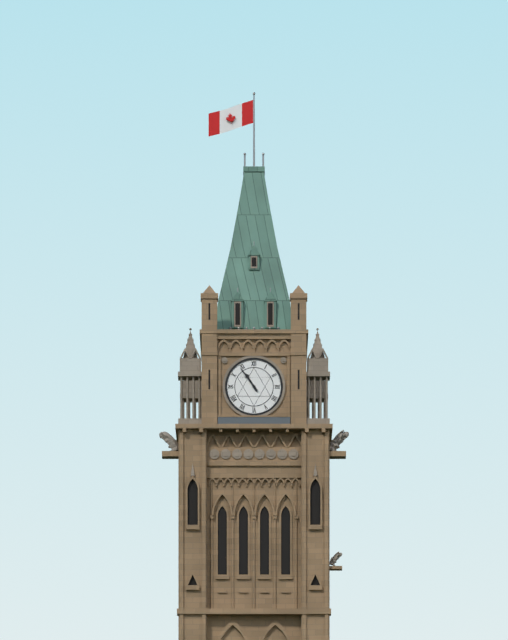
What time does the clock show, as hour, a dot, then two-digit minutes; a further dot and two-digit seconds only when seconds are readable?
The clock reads 10.54
